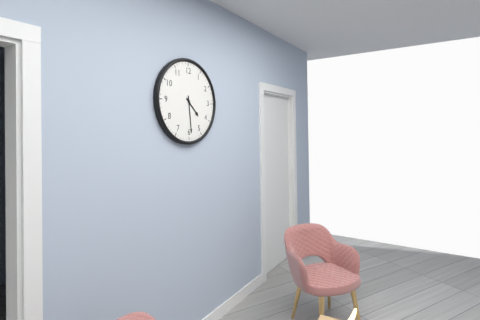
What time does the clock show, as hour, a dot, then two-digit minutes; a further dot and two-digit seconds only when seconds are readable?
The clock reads 4.29
